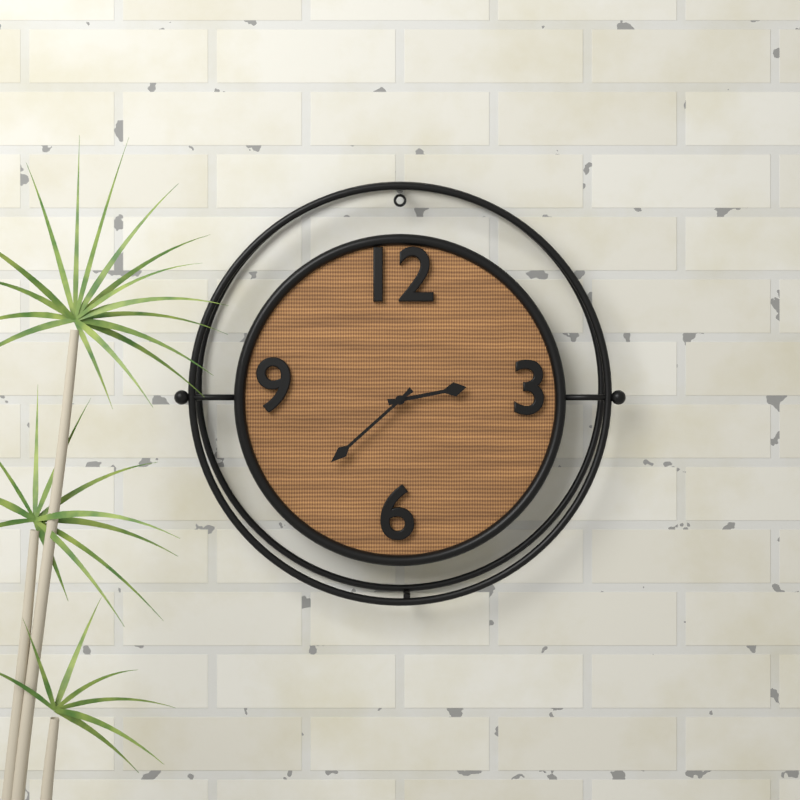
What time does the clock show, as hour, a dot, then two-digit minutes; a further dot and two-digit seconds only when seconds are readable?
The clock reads 2.38
